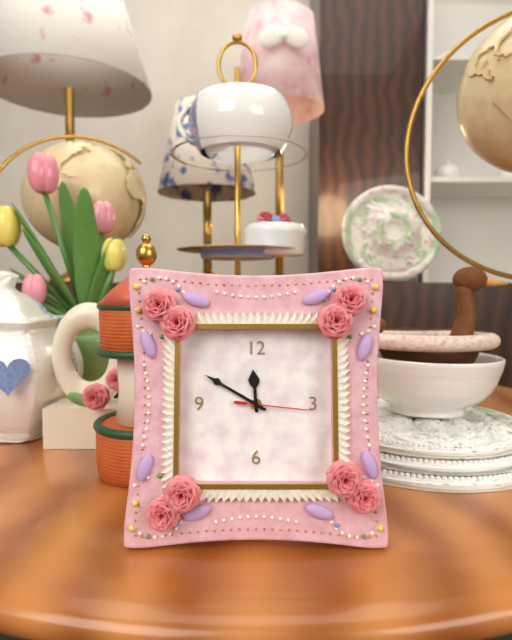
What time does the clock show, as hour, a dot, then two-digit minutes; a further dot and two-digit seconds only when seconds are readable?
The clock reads 11.50.16
